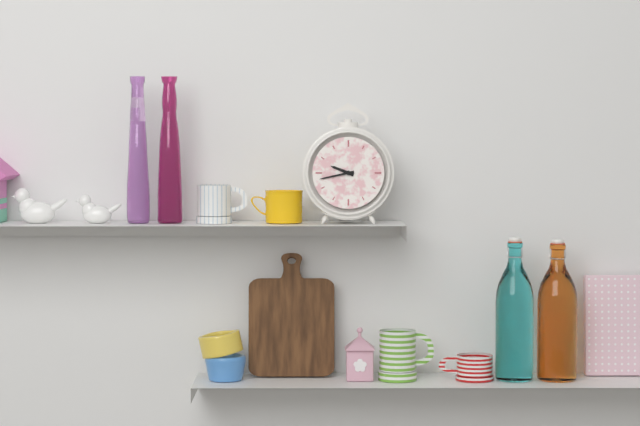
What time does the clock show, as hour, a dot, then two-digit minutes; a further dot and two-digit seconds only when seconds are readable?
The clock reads 9.43
